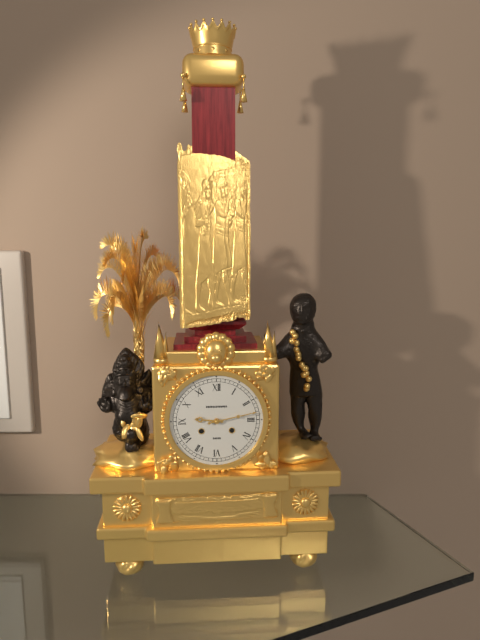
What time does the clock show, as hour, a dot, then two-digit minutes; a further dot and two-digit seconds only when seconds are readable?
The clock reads 9.13
